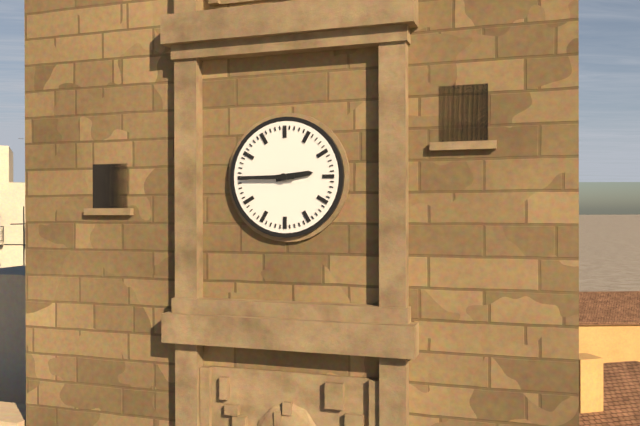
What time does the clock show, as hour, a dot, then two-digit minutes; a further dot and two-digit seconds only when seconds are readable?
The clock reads 2.45
